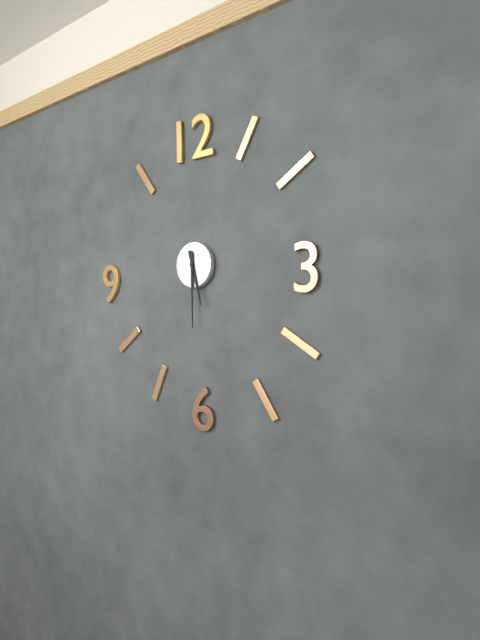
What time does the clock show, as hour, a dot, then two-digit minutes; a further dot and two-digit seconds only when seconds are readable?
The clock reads 5.30
